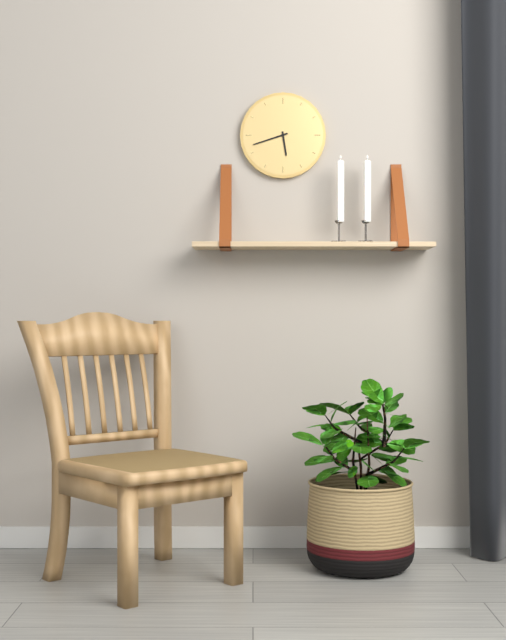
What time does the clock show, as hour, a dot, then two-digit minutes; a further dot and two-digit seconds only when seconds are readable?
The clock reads 5.42
